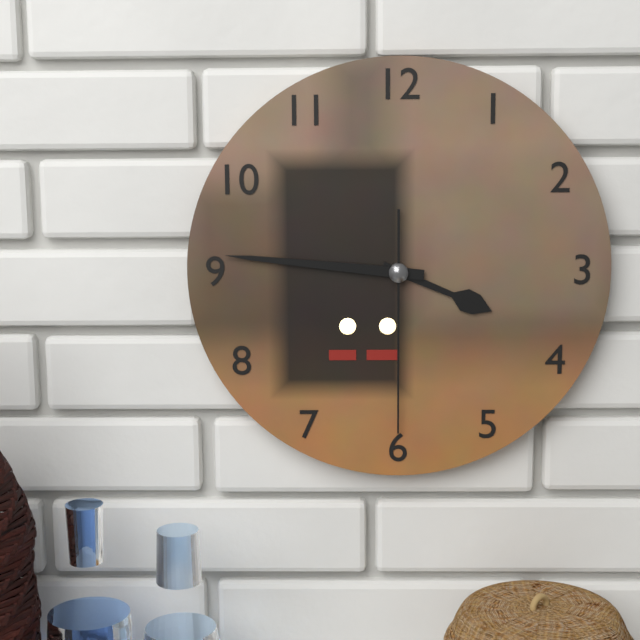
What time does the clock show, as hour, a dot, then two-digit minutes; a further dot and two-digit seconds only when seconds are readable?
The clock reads 3.46.30
